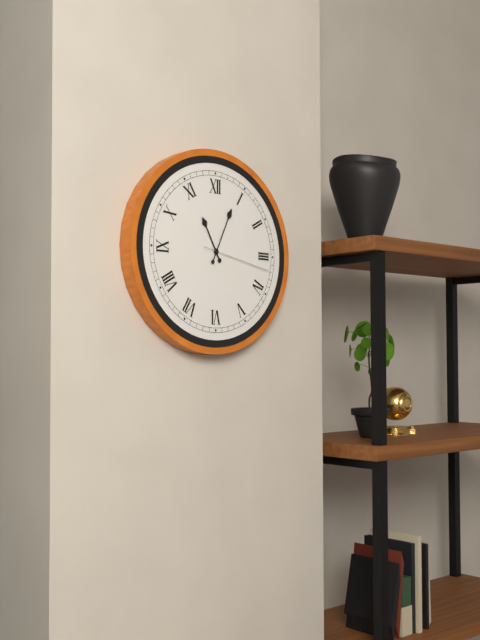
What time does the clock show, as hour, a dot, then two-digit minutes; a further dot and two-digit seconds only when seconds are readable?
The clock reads 11.04.17
